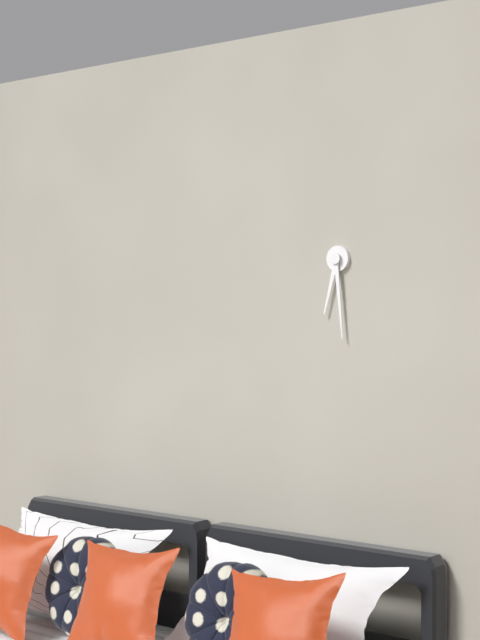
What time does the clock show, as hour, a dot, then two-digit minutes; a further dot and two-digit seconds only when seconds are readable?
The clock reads 6.29
